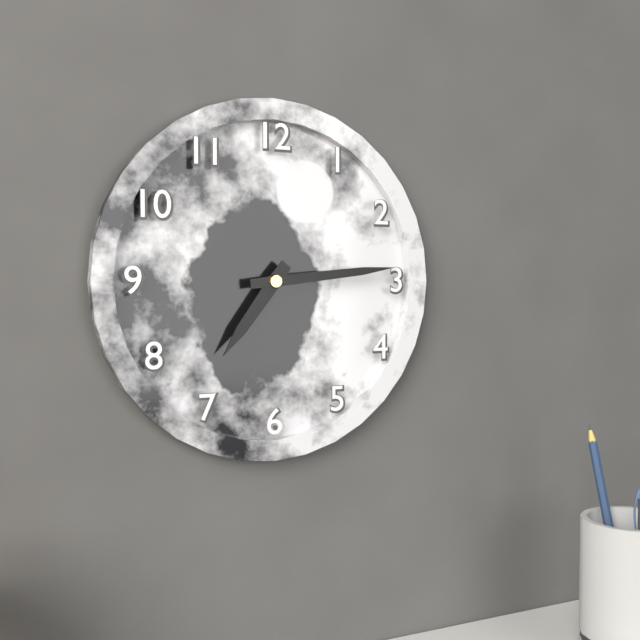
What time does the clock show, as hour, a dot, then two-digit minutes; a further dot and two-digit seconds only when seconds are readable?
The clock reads 7.14
